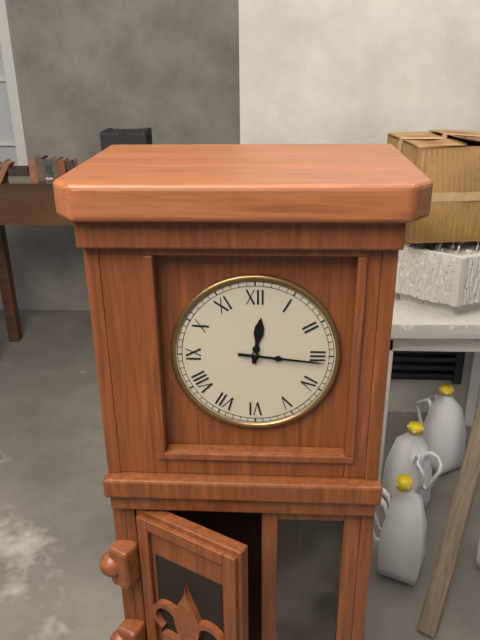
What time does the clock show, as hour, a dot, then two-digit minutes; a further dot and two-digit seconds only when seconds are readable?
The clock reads 12.16
